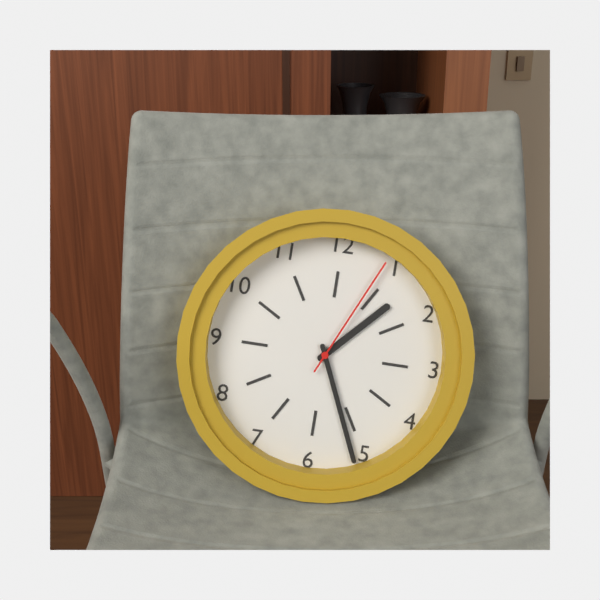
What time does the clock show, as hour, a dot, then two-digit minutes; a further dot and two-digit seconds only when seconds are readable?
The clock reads 1.26.04
